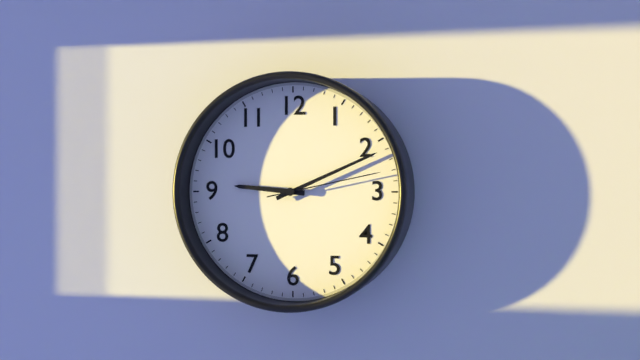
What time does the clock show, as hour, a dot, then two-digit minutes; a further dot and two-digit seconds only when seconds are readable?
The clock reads 9.11.13
